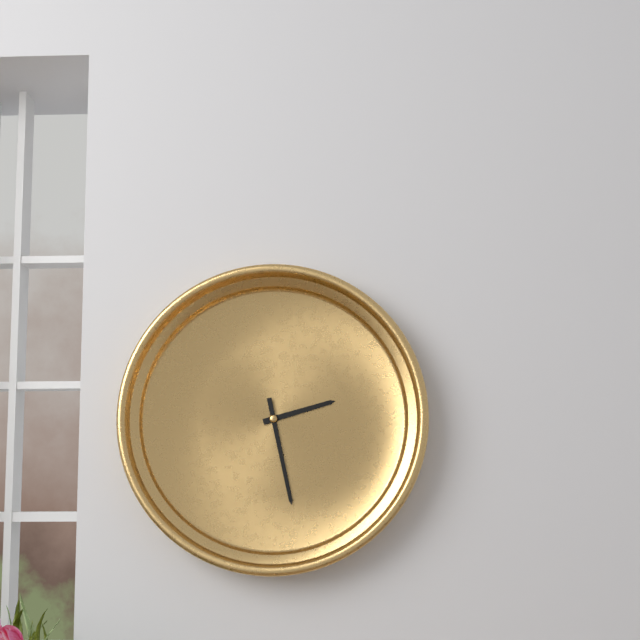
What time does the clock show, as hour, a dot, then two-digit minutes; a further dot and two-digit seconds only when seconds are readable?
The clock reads 2.28
